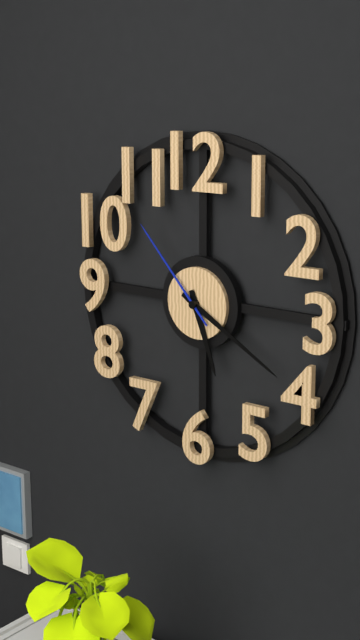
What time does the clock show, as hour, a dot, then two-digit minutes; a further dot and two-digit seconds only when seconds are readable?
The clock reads 5.20.53
